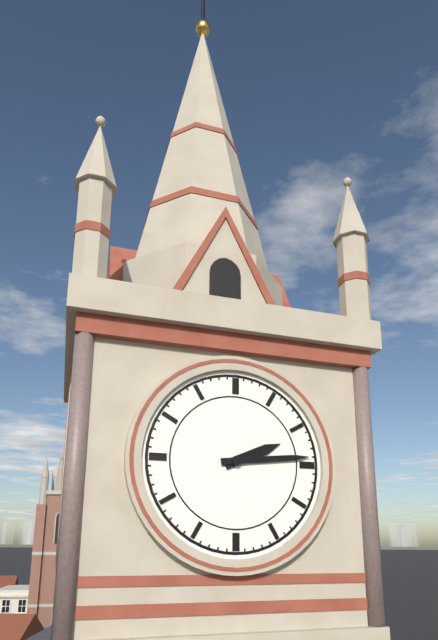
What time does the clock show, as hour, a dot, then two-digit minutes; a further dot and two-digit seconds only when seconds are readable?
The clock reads 2.14
